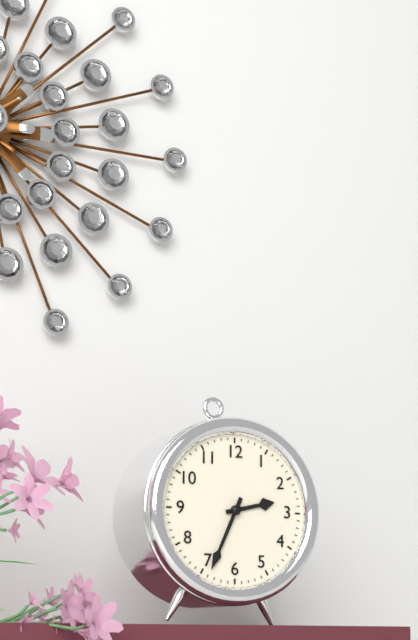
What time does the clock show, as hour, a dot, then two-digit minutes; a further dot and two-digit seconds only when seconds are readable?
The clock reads 2.34
